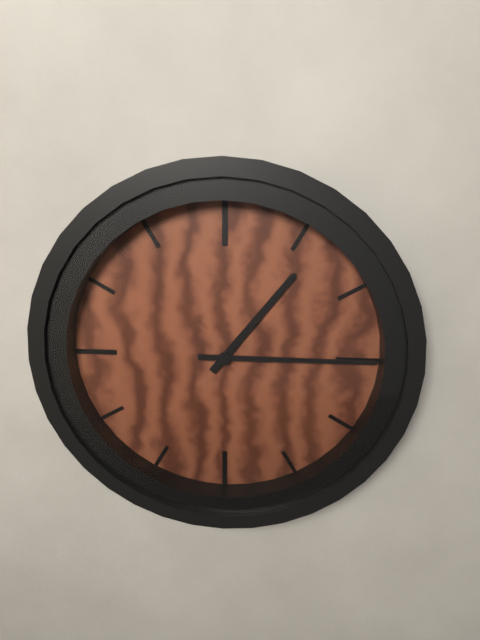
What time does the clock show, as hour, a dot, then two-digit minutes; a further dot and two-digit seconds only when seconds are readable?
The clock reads 1.15
